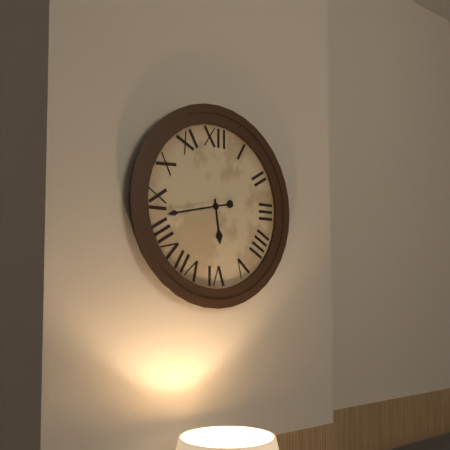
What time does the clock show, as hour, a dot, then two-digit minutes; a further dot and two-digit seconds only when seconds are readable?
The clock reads 5.43
